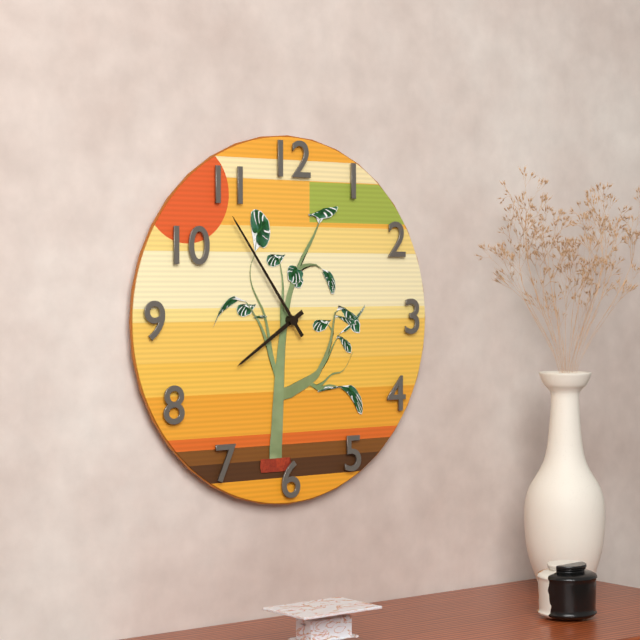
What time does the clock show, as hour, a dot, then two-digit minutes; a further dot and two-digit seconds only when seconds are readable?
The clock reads 7.54
